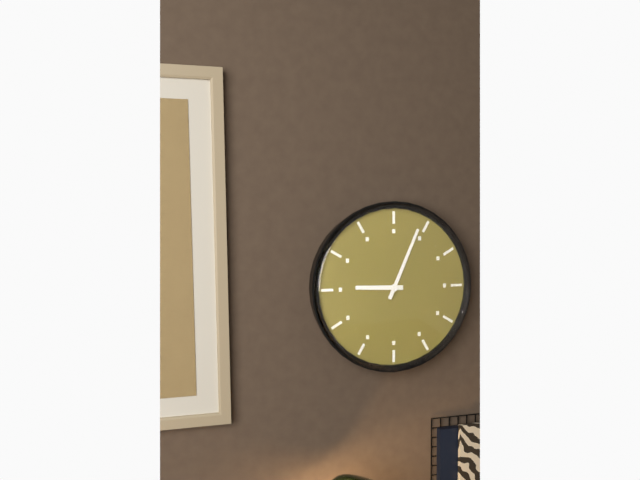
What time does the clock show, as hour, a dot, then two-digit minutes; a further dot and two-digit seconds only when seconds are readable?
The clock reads 9.04
